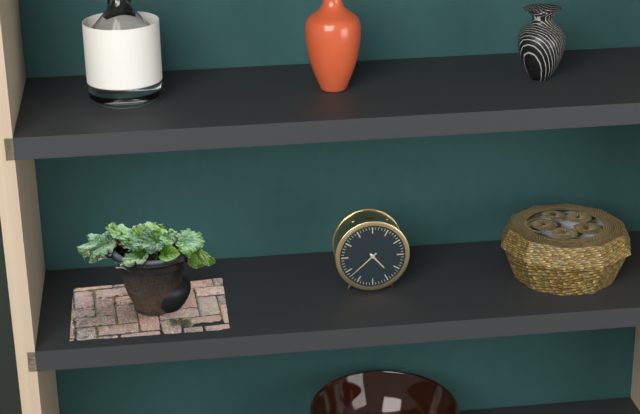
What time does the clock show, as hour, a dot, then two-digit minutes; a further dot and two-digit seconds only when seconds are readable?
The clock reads 4.38
